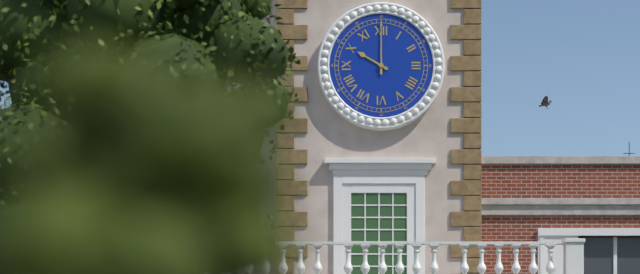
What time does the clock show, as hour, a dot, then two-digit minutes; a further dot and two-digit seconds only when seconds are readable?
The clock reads 10.00
